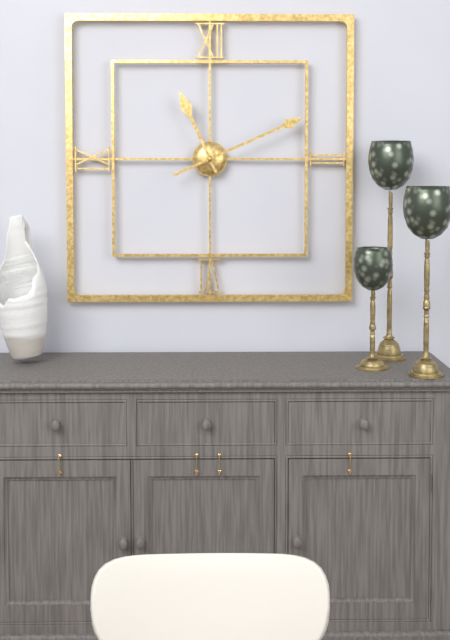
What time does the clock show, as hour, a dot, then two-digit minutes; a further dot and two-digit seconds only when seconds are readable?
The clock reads 11.11
